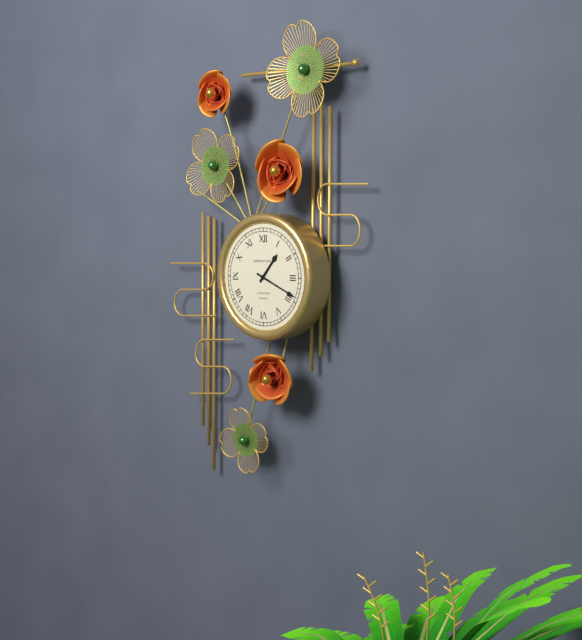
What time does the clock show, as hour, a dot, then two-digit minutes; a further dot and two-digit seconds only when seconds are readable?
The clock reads 1.19
